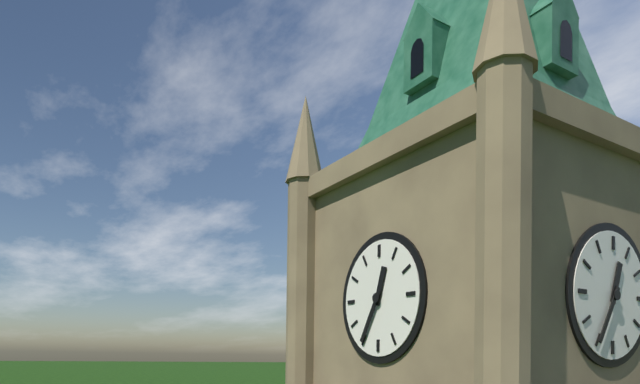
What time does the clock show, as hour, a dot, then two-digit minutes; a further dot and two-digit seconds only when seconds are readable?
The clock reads 12.35
